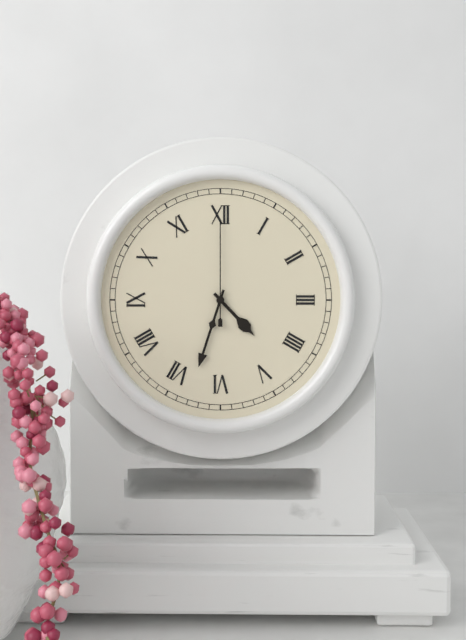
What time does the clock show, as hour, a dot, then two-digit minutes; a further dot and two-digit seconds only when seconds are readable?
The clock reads 4.33.00
